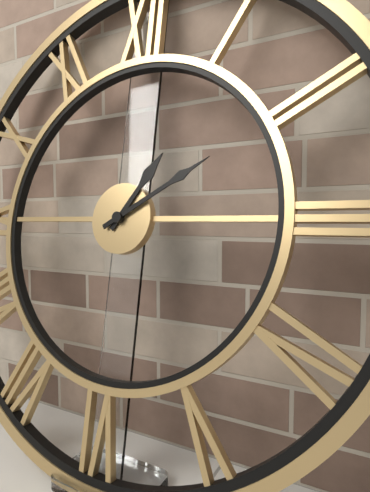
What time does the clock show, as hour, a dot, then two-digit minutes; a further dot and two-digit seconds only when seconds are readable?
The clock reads 1.10
